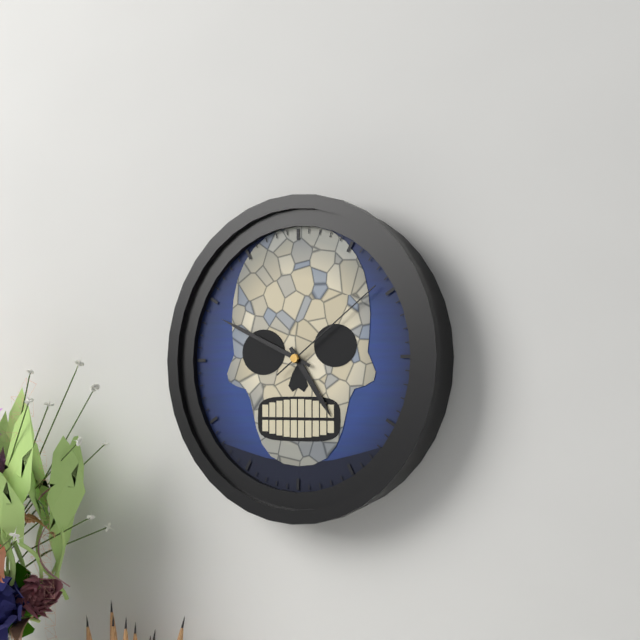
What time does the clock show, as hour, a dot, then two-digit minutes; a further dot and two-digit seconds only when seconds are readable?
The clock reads 4.49.09
